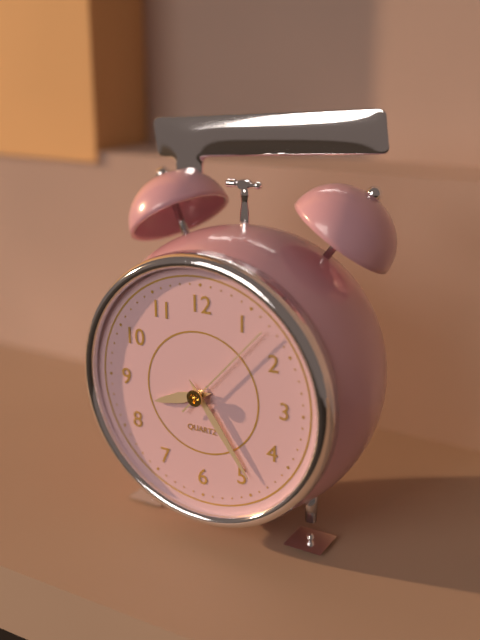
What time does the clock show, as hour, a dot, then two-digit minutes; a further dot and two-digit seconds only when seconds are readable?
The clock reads 8.24.07
